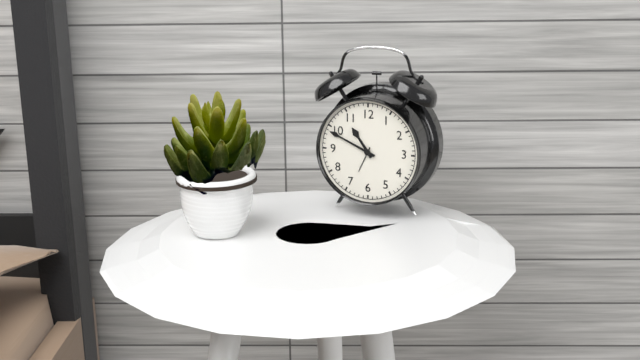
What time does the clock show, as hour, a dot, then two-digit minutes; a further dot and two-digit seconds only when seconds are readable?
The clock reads 10.49
